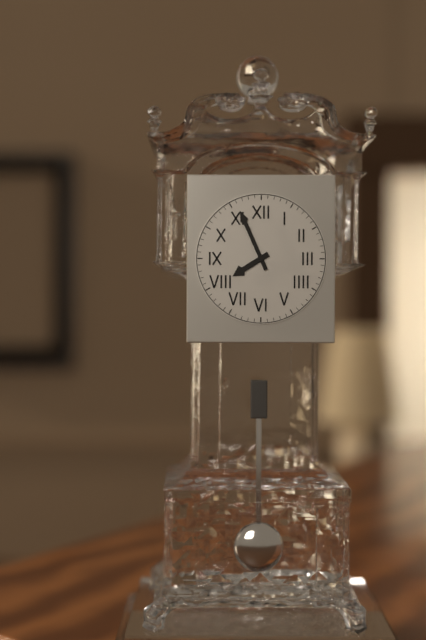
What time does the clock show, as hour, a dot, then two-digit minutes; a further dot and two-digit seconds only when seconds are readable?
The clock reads 7.56
